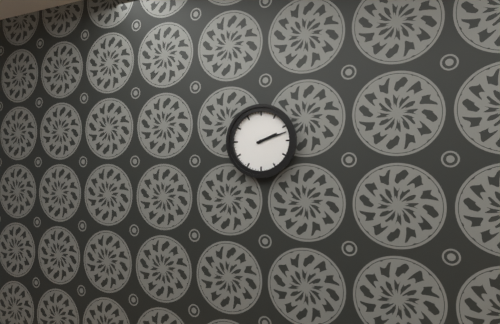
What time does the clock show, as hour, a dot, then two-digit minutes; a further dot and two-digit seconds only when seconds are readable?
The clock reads 2.12
